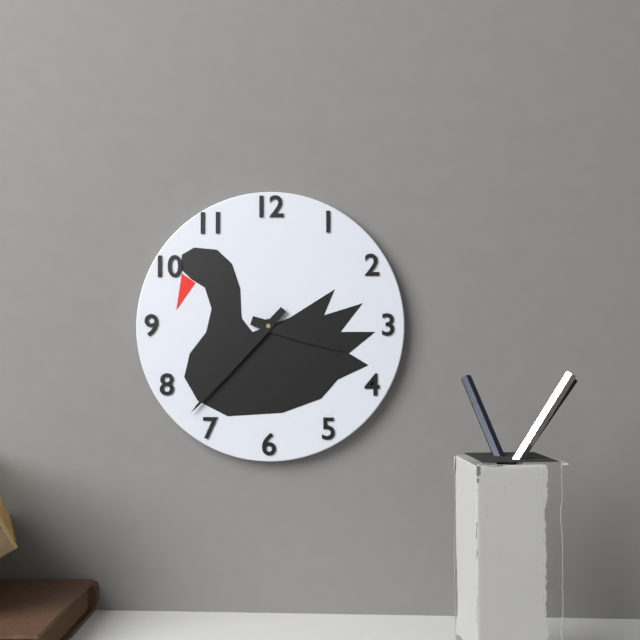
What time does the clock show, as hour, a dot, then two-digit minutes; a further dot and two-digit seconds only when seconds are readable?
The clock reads 3.37
